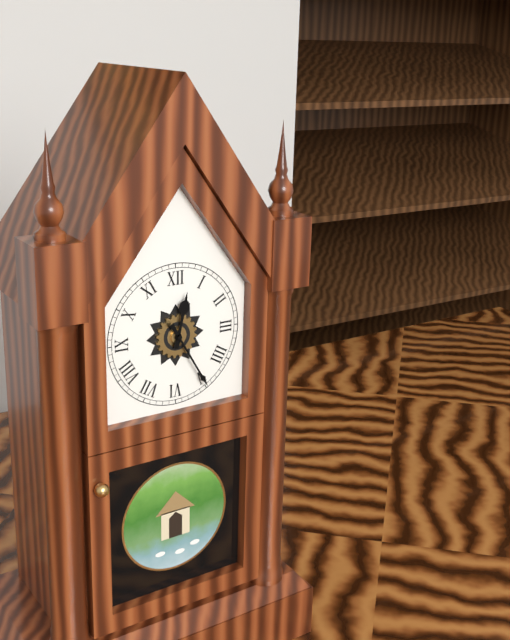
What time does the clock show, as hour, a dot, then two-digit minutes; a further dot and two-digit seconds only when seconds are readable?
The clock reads 12.25
